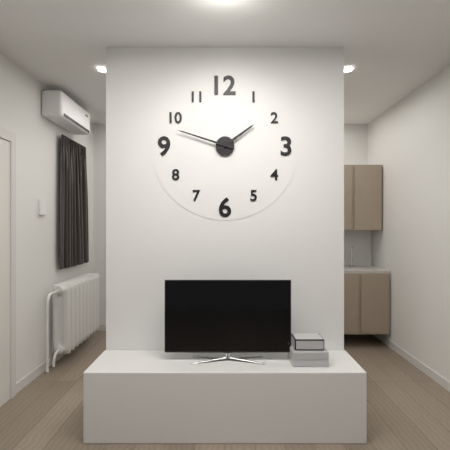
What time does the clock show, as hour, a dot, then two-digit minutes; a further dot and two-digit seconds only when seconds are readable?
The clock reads 1.48
